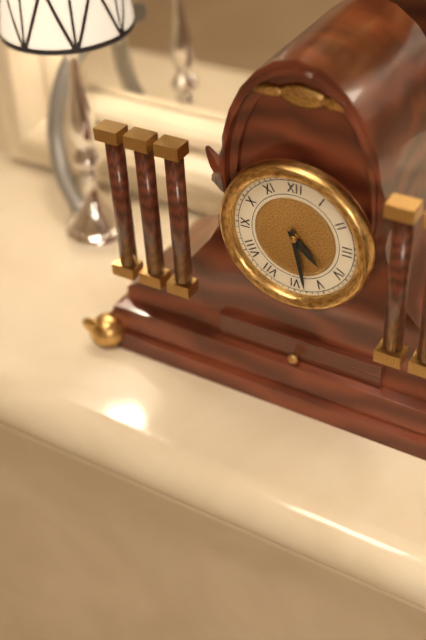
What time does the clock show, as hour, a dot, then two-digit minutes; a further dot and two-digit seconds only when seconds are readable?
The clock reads 4.28
